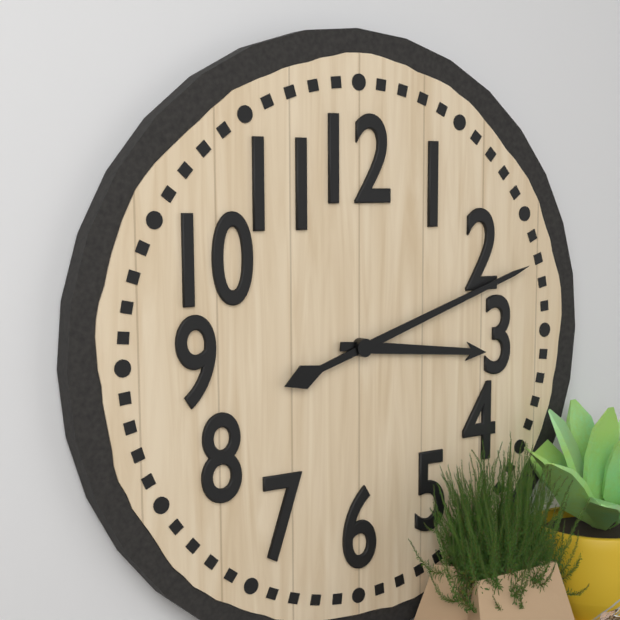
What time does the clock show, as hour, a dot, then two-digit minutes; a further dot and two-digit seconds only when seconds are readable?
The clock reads 3.12
